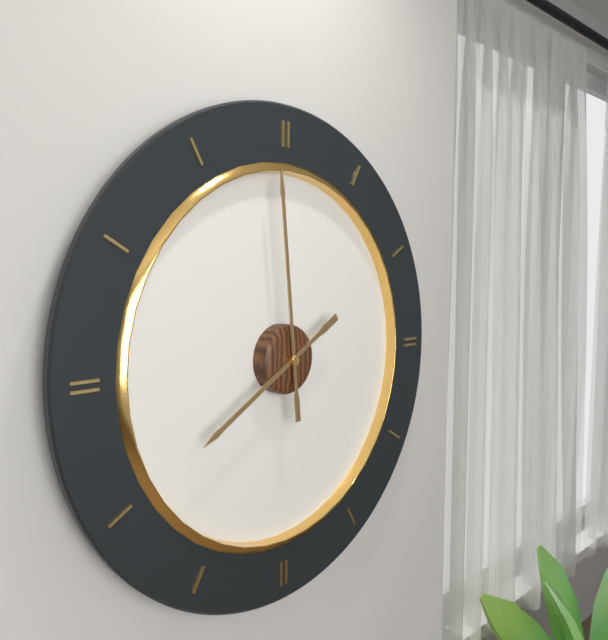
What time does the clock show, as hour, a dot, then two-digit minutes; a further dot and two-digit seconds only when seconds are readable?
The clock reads 7.59
